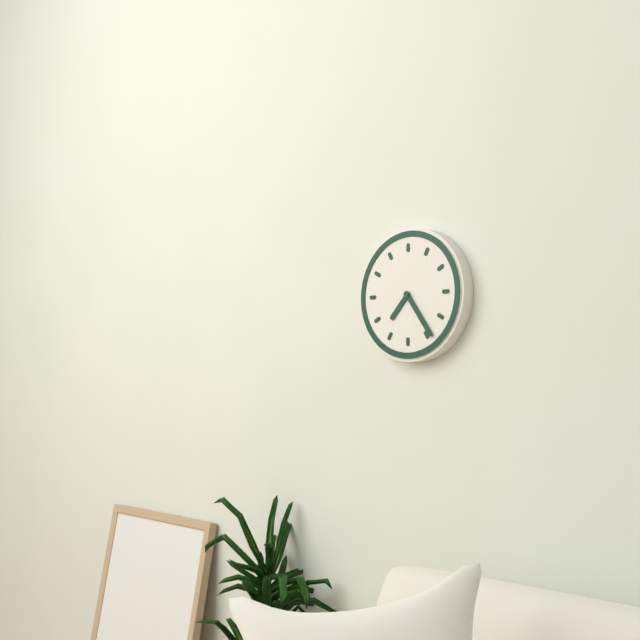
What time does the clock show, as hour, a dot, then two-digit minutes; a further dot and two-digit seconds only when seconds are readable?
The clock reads 7.24
